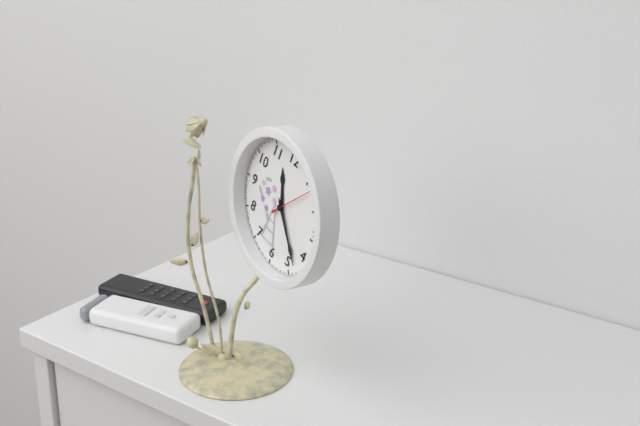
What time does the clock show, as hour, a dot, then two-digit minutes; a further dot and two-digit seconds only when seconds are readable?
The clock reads 11.23
